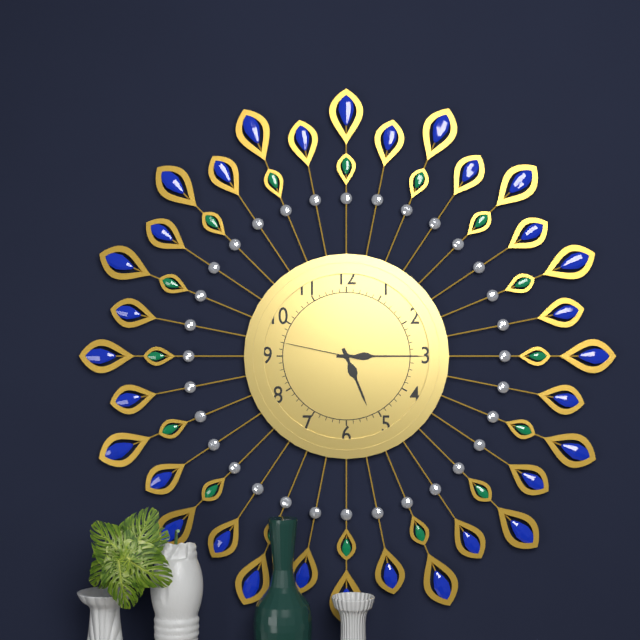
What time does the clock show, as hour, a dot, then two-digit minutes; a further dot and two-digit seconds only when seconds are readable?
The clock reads 5.15.47
